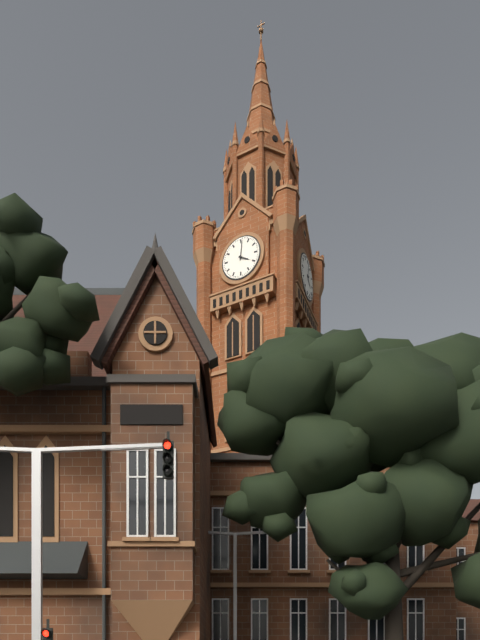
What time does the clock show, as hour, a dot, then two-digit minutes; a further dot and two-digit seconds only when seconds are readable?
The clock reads 4.01
